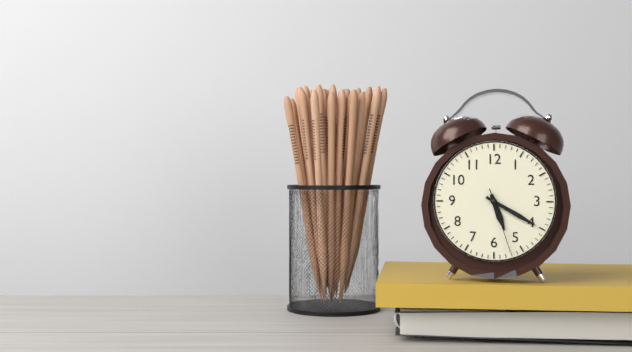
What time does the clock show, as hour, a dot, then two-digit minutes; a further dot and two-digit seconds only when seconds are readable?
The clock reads 5.20.27
